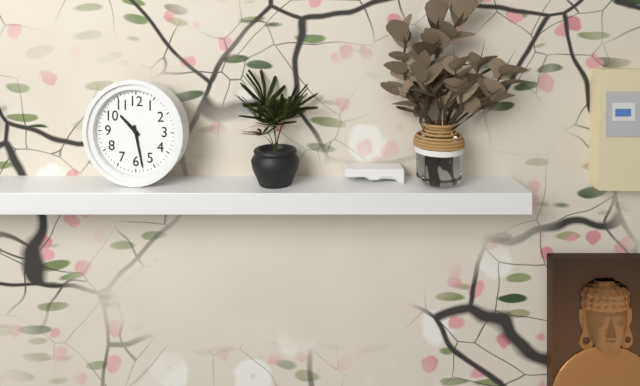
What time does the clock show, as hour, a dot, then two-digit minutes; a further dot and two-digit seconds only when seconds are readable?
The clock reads 10.28
